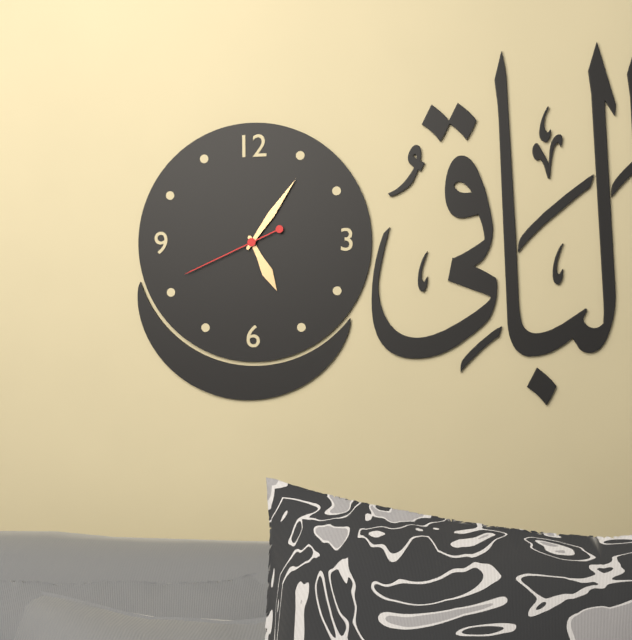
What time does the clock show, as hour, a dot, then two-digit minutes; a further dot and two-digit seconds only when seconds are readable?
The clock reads 5.06.41
